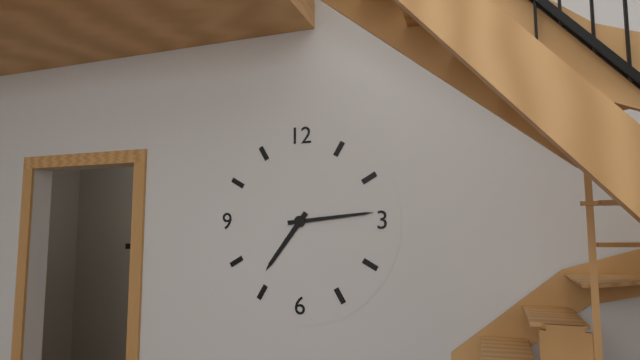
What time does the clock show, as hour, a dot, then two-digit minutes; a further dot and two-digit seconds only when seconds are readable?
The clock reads 7.14
